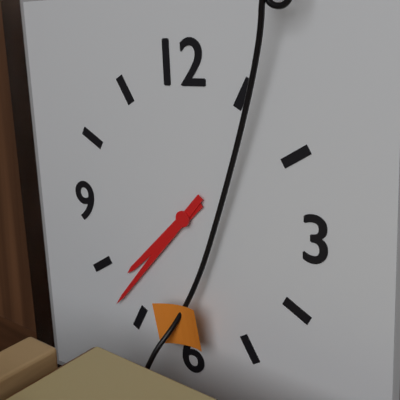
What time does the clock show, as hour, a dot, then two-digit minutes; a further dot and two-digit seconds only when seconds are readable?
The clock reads 7.37
